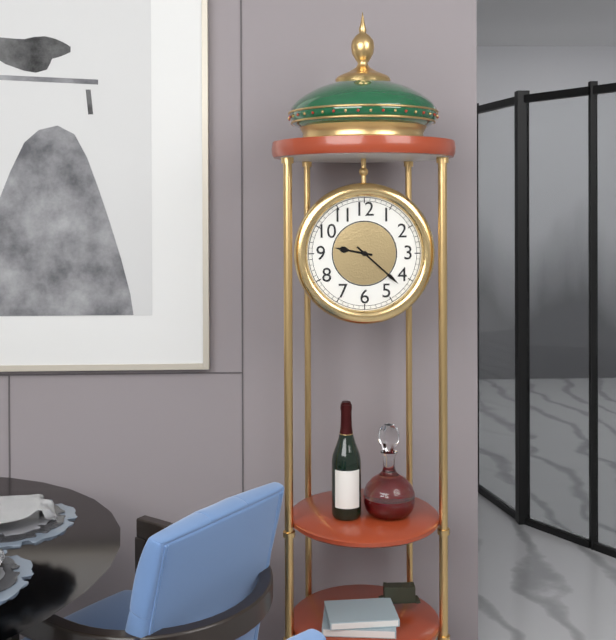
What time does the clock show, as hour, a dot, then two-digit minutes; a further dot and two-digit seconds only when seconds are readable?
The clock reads 9.22
